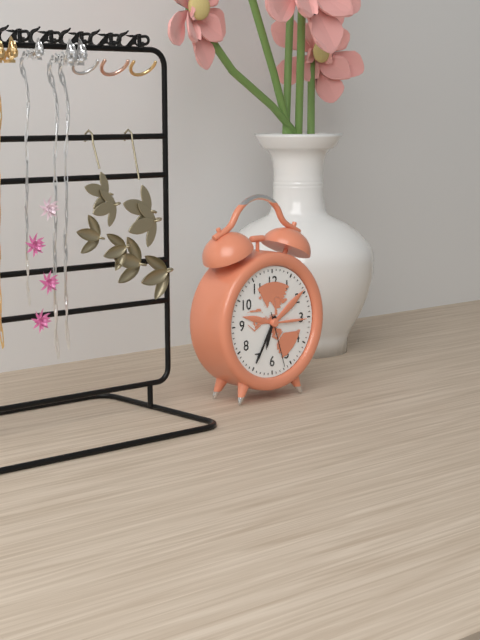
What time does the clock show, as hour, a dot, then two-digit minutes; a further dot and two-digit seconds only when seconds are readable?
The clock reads 6.35.27
